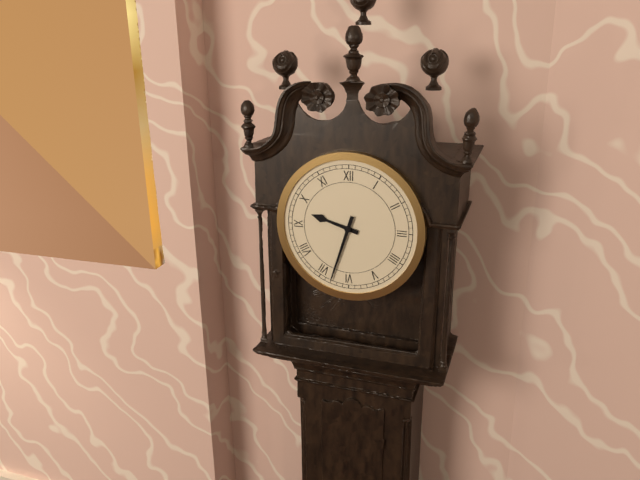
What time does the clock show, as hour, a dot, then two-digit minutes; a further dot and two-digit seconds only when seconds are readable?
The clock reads 9.33
